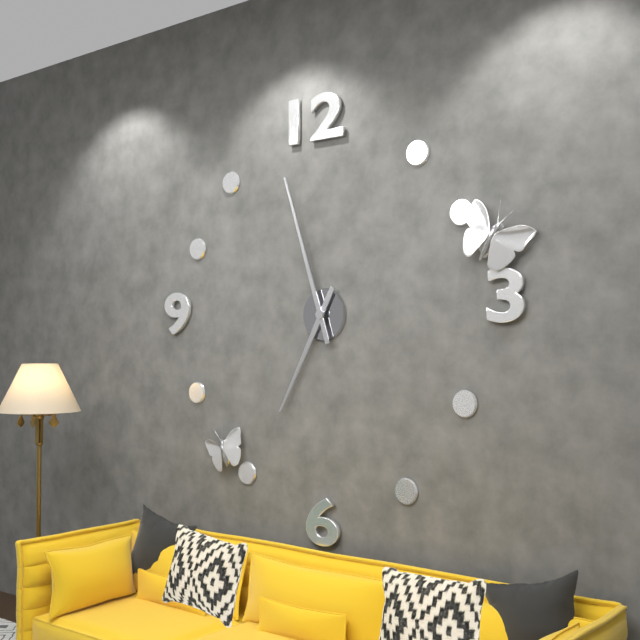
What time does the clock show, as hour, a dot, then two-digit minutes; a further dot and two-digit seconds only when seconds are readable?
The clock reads 6.57
